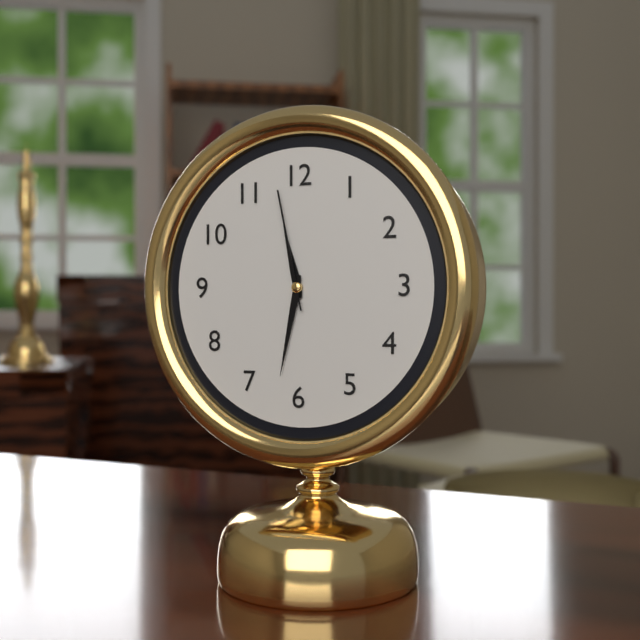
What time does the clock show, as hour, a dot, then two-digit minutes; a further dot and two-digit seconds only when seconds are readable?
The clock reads 11.32.58
